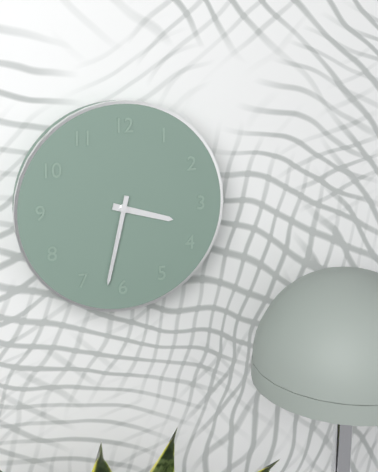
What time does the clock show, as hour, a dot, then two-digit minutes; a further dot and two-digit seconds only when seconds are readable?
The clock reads 3.32
